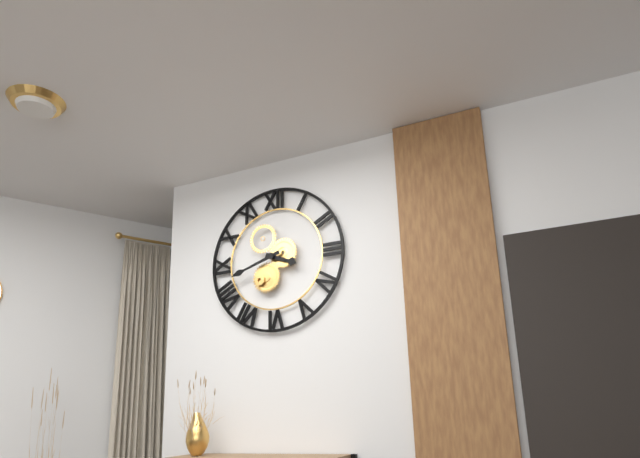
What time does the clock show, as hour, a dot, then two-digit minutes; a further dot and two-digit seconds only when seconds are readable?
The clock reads 3.42
